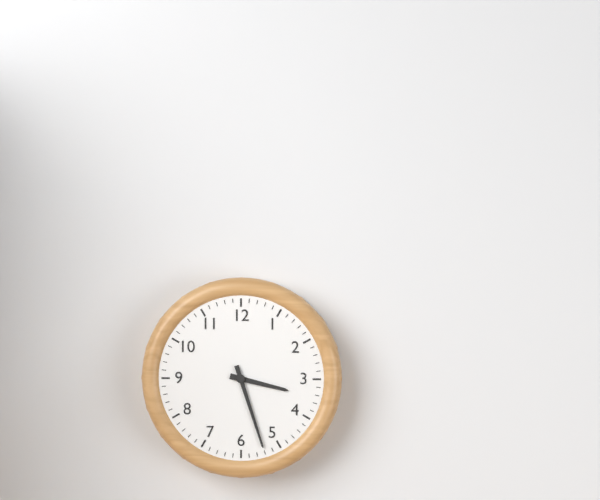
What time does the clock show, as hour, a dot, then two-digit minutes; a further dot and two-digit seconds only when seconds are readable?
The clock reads 3.27
